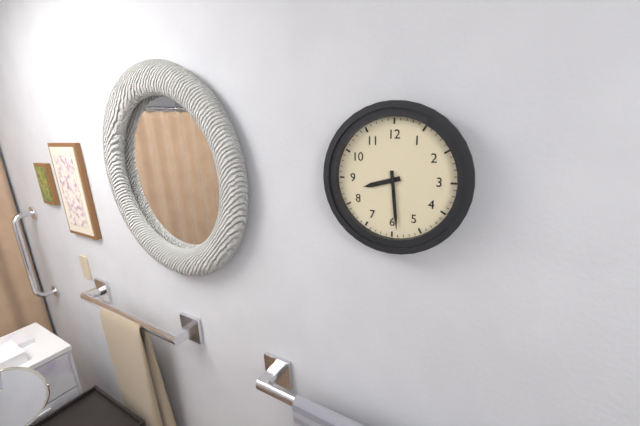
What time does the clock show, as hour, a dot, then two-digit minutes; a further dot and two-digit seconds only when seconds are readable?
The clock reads 8.29
